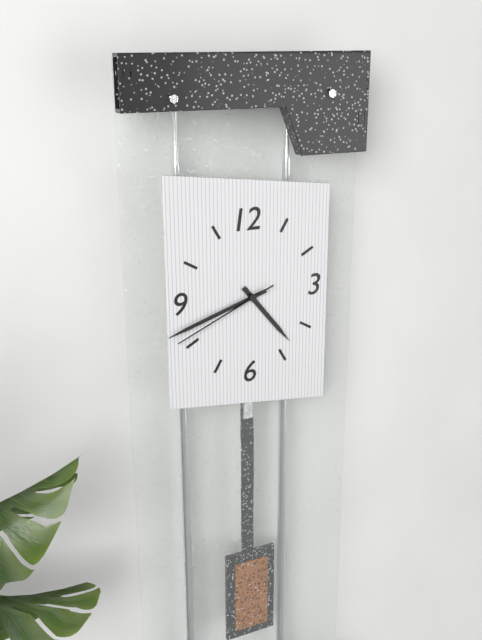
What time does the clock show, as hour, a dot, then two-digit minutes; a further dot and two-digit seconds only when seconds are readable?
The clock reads 4.42.41
